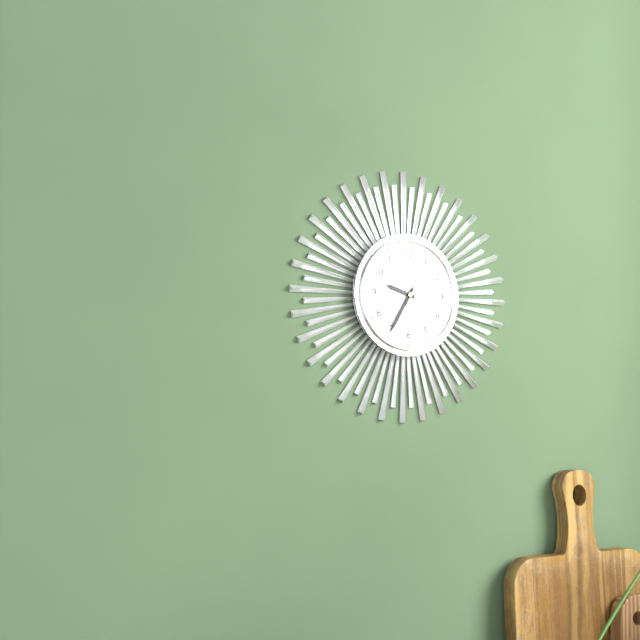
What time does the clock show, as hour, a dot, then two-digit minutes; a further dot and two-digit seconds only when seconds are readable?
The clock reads 9.35.04
